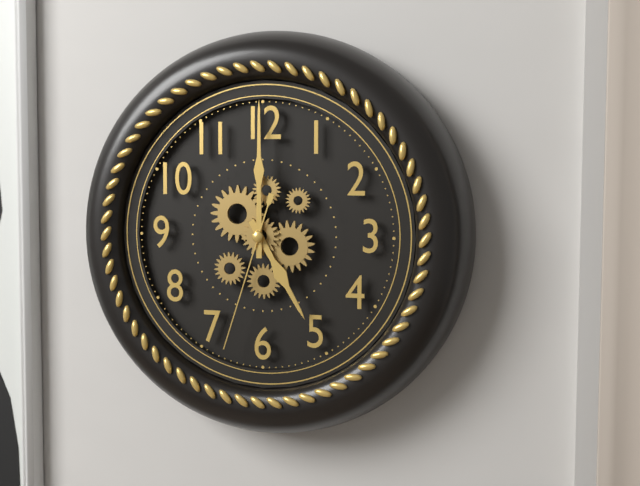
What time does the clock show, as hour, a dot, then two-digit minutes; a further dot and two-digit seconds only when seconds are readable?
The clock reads 5.00.33
